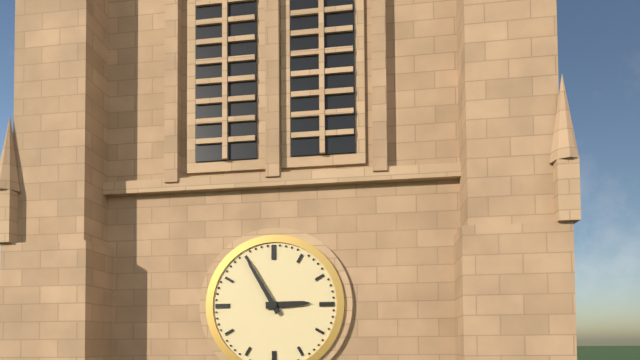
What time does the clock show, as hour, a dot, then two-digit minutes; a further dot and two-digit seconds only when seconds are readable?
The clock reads 2.55
